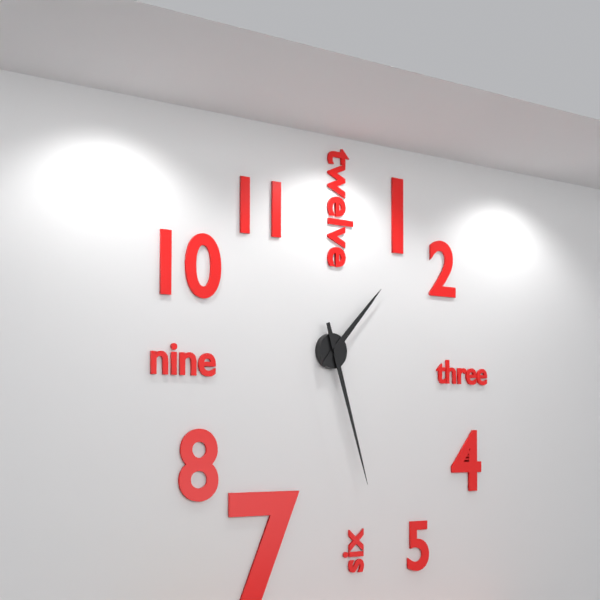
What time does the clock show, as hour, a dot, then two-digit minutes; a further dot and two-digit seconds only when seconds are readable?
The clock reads 1.27
